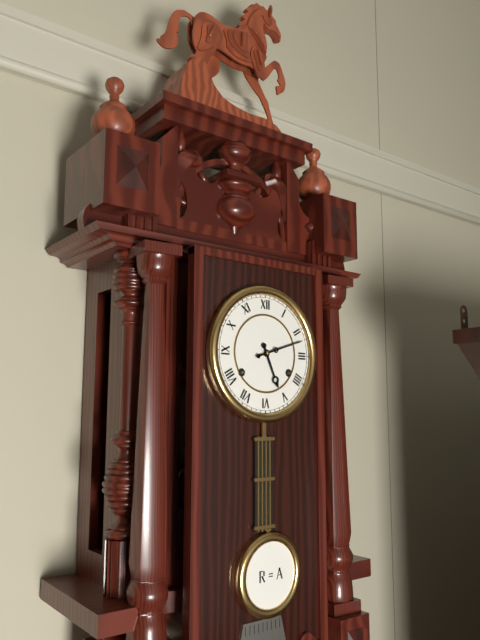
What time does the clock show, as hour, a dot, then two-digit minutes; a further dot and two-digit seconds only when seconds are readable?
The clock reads 5.12
